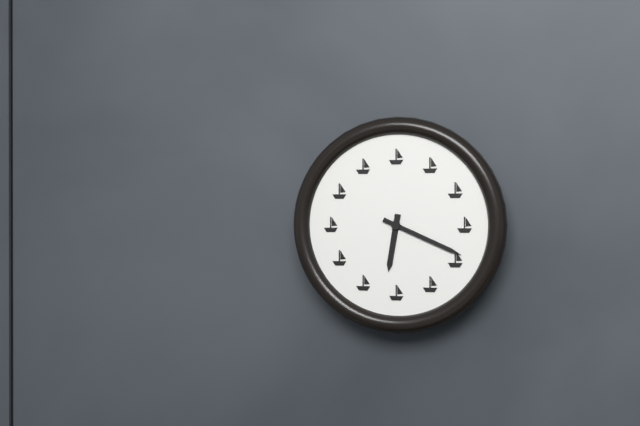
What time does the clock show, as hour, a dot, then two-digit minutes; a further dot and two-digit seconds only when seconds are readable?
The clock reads 6.19
